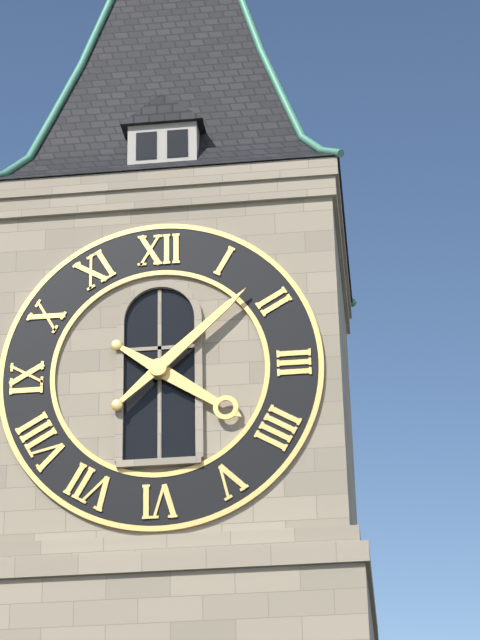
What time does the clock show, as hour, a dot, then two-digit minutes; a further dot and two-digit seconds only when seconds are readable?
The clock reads 4.08
